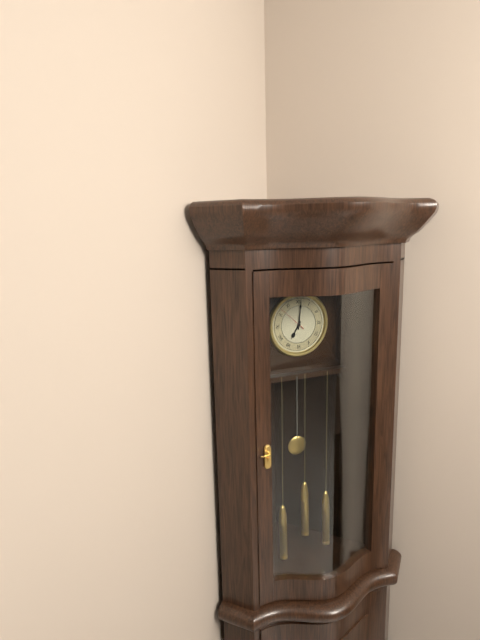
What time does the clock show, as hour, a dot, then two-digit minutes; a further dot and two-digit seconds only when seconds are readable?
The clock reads 7.01
